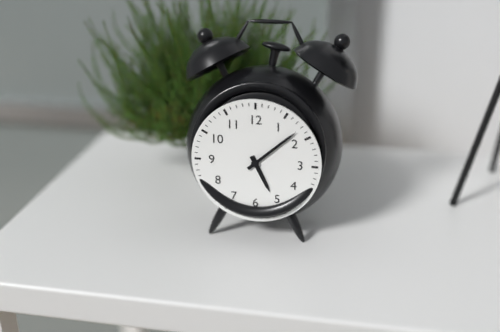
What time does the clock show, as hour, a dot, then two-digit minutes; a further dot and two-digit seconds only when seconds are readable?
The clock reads 5.08
